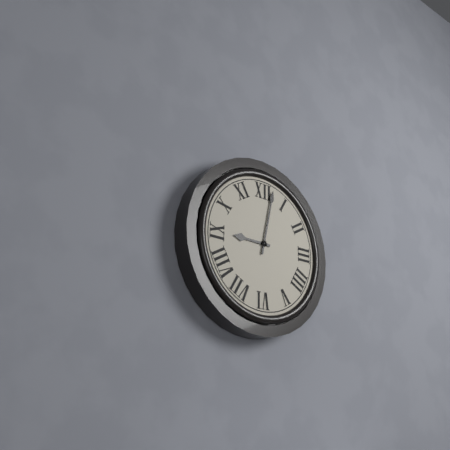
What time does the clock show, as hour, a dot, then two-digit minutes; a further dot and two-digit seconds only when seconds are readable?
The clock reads 9.02
